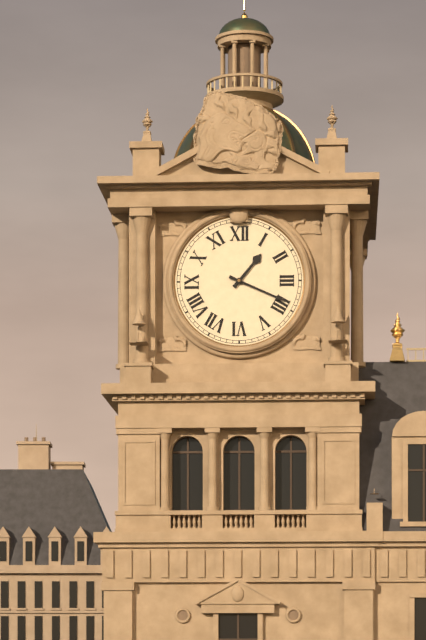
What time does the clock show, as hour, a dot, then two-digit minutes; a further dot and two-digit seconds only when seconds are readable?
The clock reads 1.19
